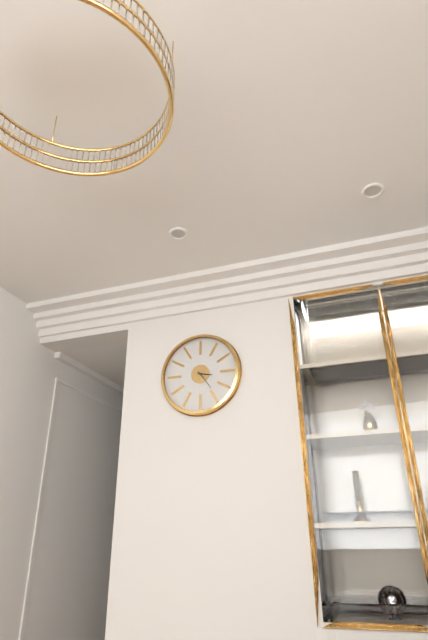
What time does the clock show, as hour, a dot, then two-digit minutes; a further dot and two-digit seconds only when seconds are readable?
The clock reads 3.24
